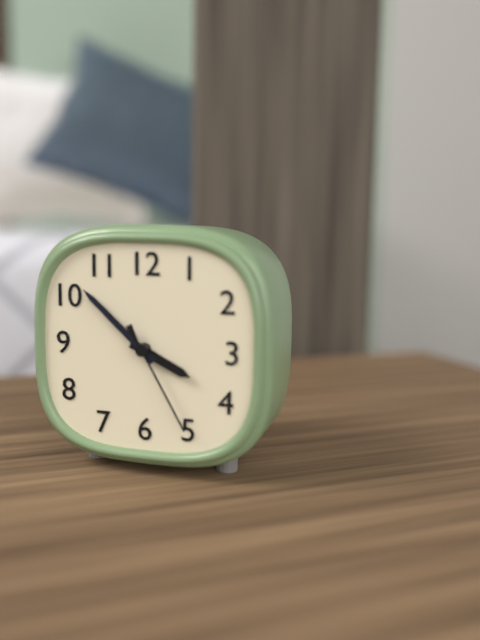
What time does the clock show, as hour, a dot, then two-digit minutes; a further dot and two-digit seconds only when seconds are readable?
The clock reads 3.52.25
